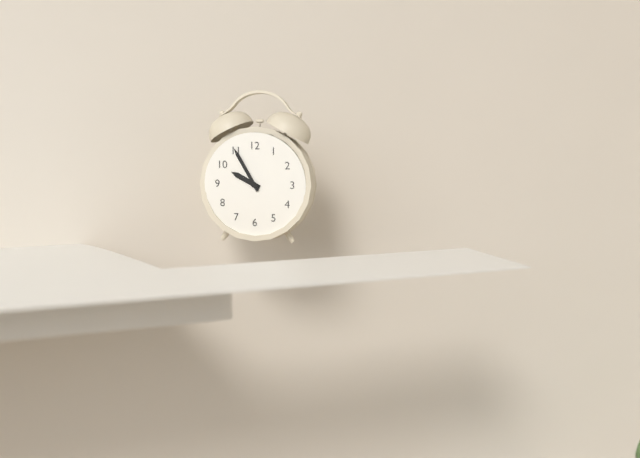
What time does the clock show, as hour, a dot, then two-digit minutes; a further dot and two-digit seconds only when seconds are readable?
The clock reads 9.55
